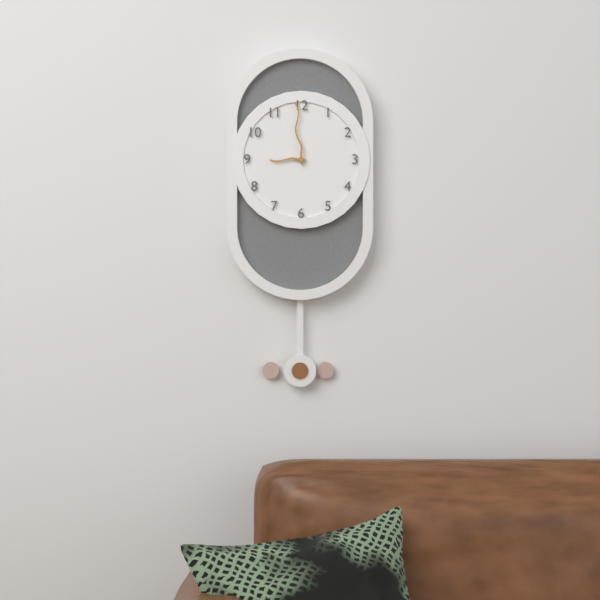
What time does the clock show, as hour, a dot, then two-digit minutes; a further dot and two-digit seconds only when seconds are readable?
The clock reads 8.59
